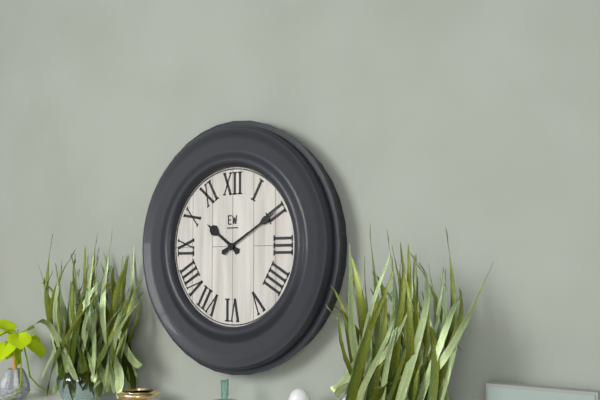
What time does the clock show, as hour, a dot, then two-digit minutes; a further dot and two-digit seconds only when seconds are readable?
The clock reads 10.10
